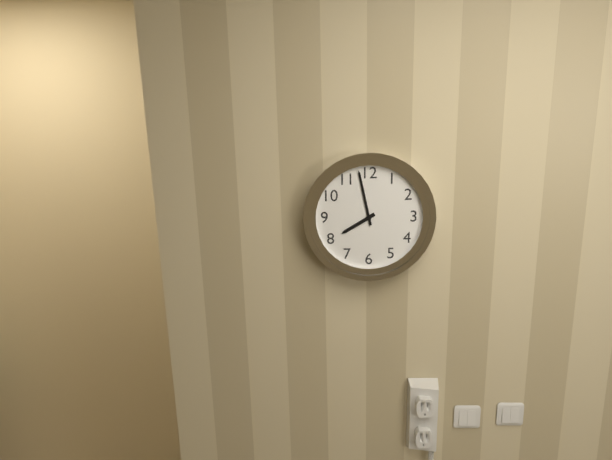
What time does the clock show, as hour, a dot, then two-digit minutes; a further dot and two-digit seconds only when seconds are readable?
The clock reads 7.58
